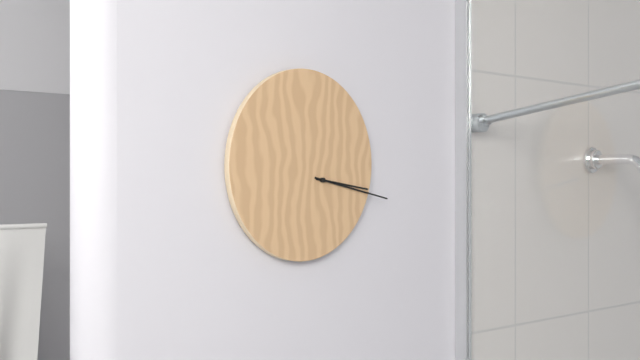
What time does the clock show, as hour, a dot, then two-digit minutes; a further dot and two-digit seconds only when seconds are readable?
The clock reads 3.17
